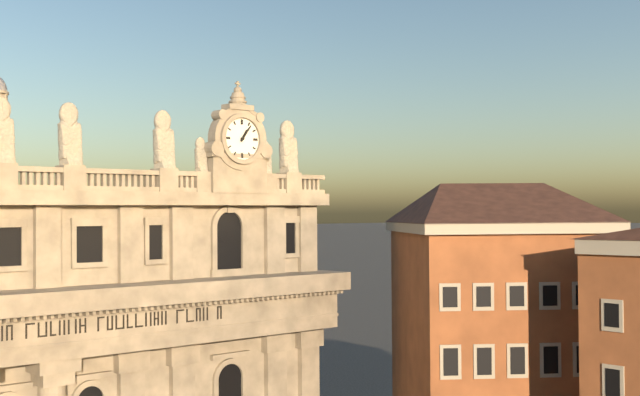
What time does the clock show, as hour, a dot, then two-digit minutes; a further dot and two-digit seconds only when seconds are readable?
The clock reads 1.06
